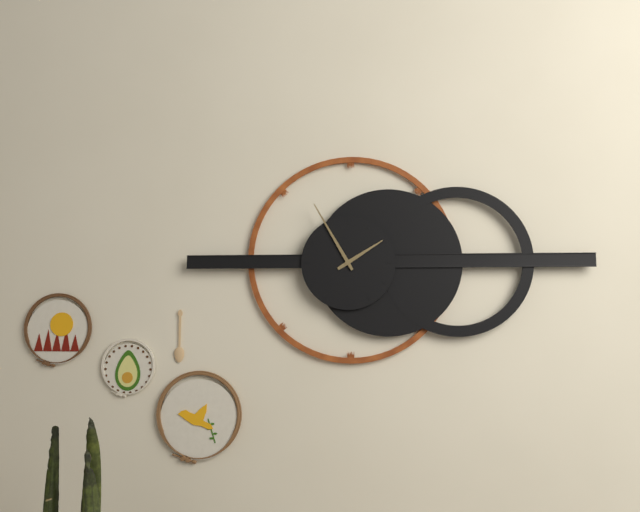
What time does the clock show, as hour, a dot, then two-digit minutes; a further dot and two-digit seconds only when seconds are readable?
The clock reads 1.55
